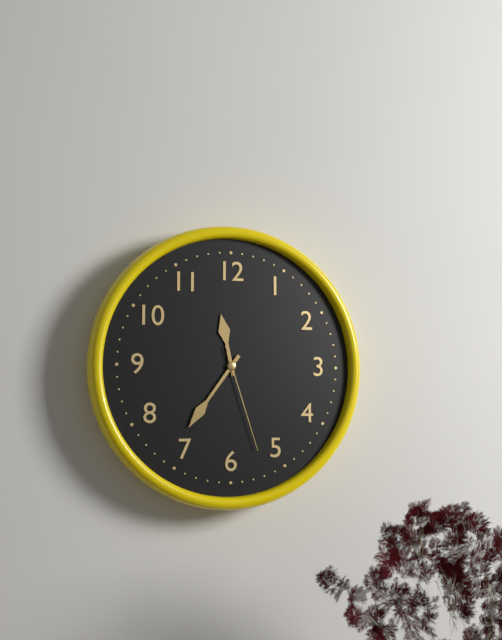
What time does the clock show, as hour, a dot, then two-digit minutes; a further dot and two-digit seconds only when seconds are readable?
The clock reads 11.36.27
